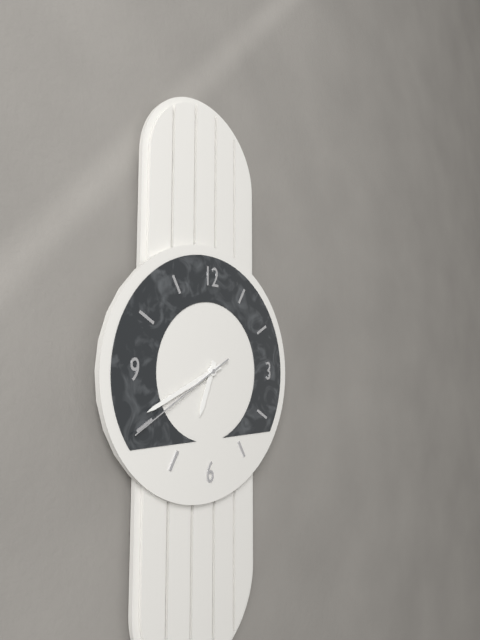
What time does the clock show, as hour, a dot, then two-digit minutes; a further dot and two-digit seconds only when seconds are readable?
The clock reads 6.41.40
